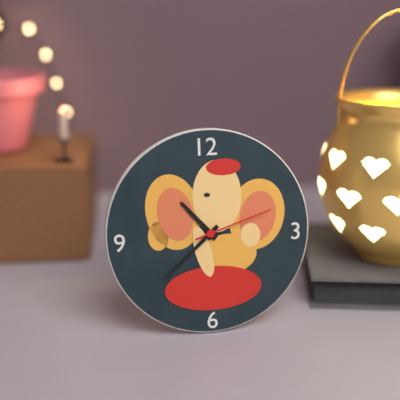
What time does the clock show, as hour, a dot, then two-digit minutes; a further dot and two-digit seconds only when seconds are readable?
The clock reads 10.38.12
